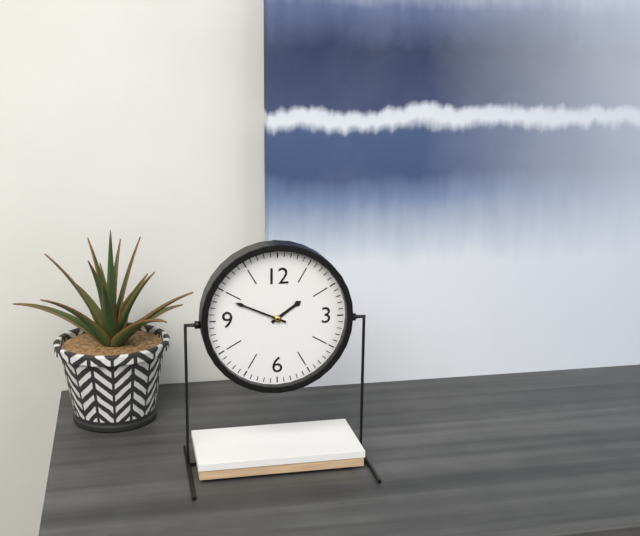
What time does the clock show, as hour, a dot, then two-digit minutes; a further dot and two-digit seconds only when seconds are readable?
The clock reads 1.49
